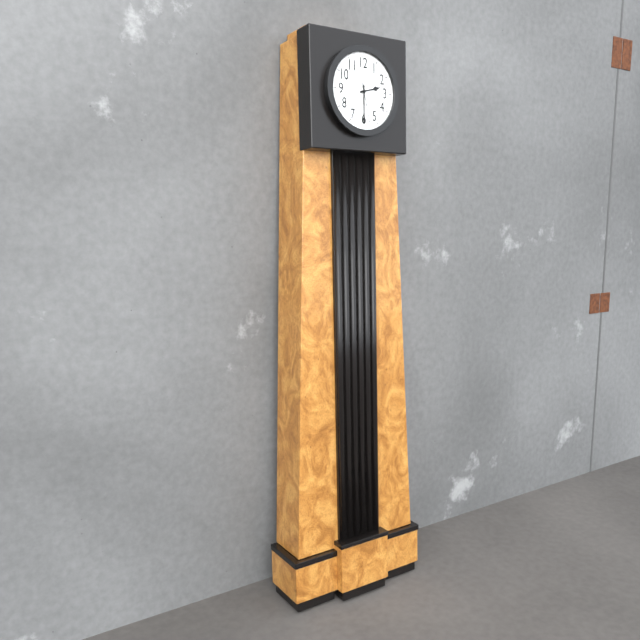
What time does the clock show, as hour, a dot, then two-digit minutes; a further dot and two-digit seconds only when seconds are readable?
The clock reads 2.30
